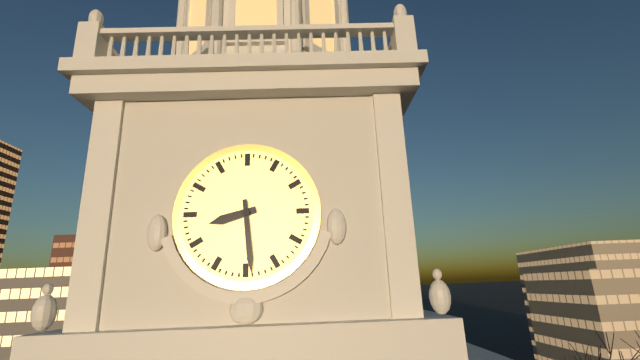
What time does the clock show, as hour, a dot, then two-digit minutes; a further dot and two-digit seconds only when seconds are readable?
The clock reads 8.29
